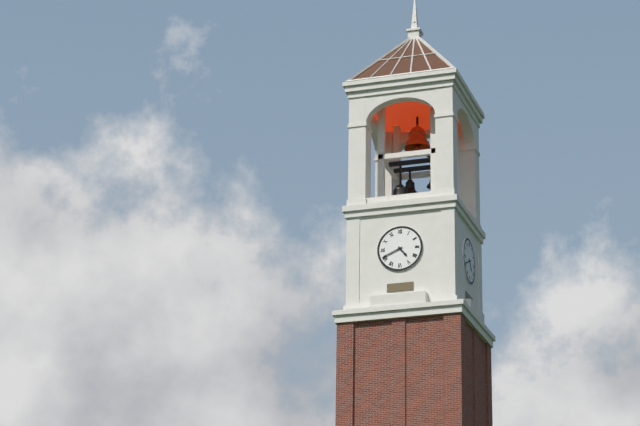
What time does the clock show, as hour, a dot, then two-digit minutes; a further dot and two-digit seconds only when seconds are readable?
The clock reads 4.41
